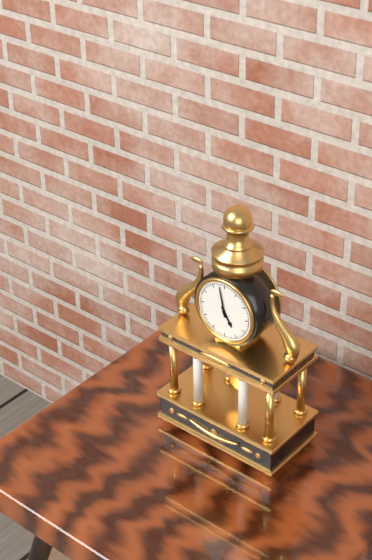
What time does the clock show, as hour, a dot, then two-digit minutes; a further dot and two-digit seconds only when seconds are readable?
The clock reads 4.58
